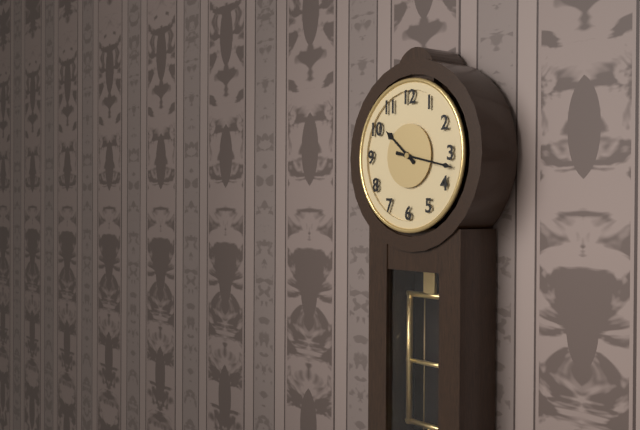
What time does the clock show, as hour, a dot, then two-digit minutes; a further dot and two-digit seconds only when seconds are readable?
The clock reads 10.17
